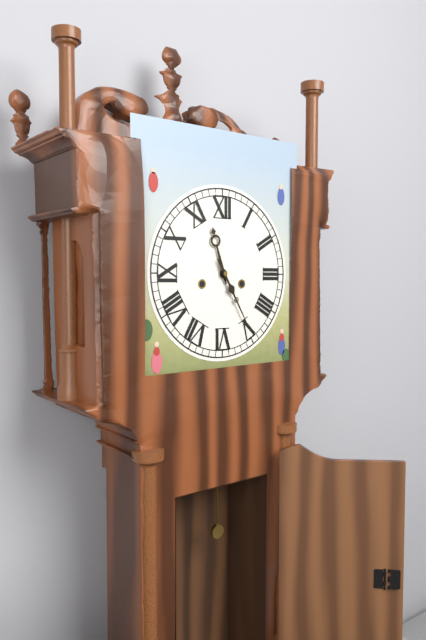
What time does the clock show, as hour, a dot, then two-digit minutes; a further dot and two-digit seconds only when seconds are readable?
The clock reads 11.25
